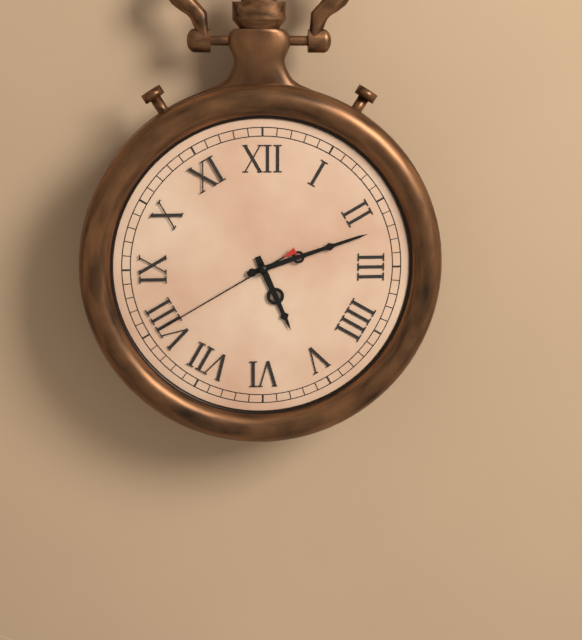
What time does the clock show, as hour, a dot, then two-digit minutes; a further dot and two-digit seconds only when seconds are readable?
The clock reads 5.12.40
